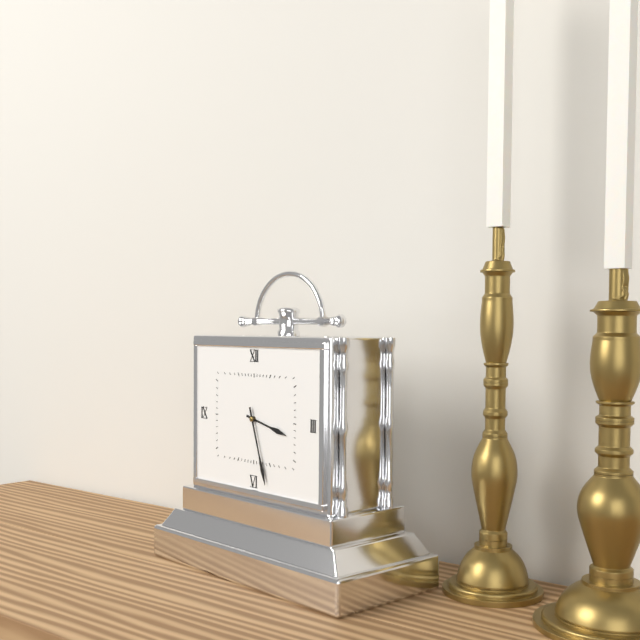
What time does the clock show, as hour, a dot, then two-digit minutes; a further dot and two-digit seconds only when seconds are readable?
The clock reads 3.27
